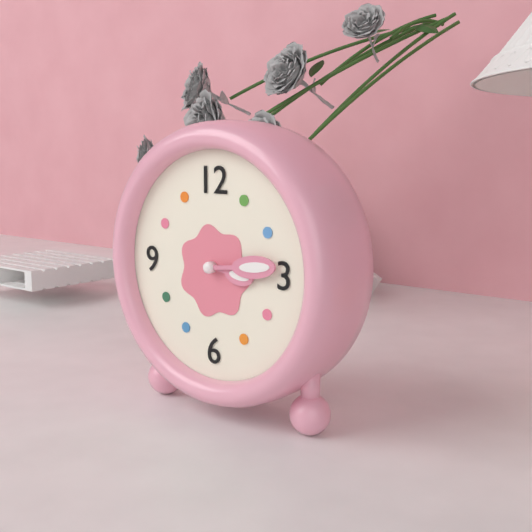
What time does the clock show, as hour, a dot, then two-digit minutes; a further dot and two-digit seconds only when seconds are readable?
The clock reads 3.14
